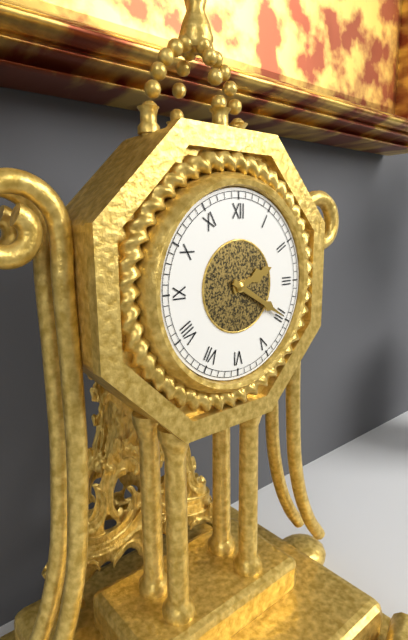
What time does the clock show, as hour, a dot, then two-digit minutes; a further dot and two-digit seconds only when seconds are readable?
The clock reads 2.20
